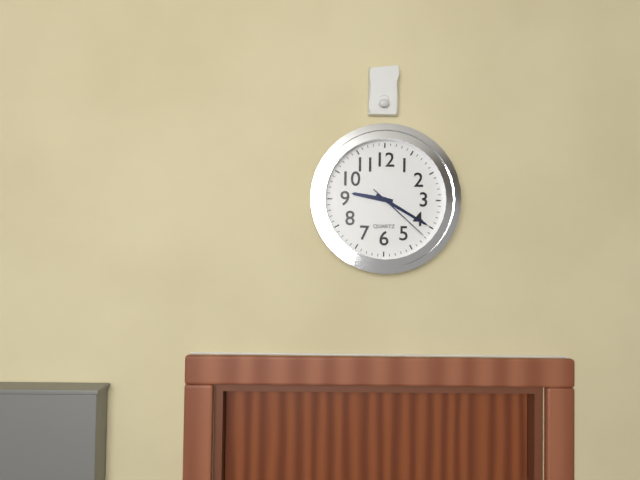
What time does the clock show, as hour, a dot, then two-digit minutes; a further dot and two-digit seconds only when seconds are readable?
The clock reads 9.20.22
